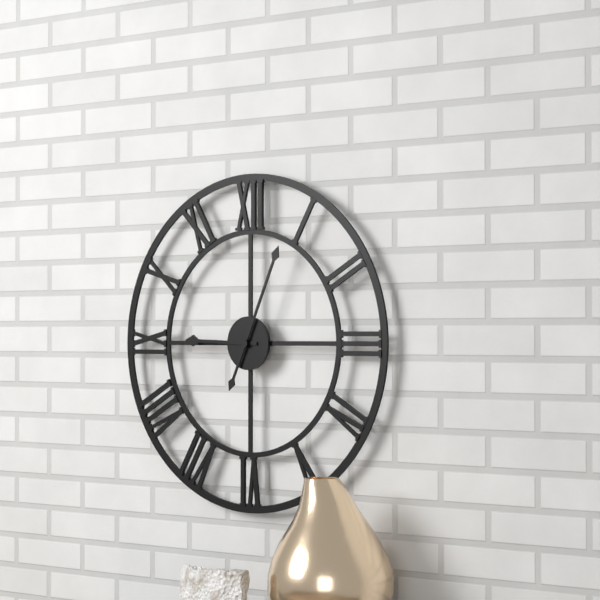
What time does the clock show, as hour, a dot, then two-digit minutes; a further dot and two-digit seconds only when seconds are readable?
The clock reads 9.04
